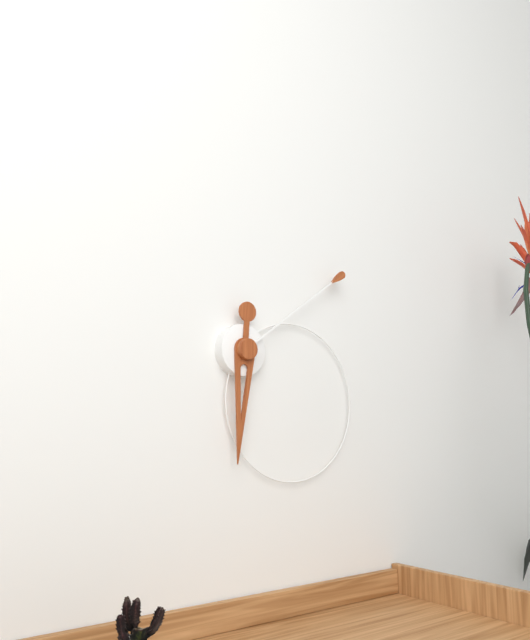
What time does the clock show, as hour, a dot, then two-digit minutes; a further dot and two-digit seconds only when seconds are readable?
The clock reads 6.09
